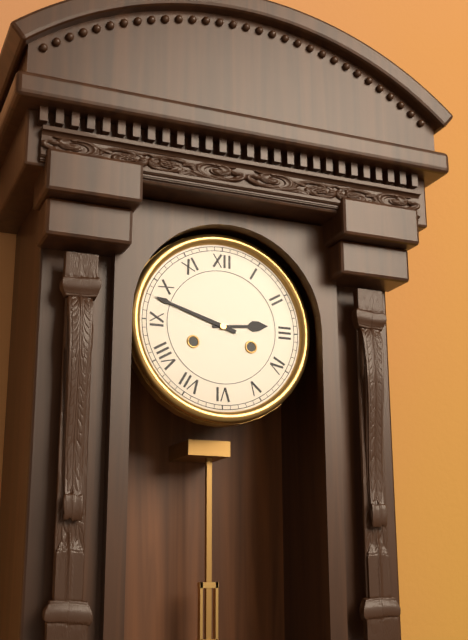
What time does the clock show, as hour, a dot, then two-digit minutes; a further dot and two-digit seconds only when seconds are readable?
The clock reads 2.48
